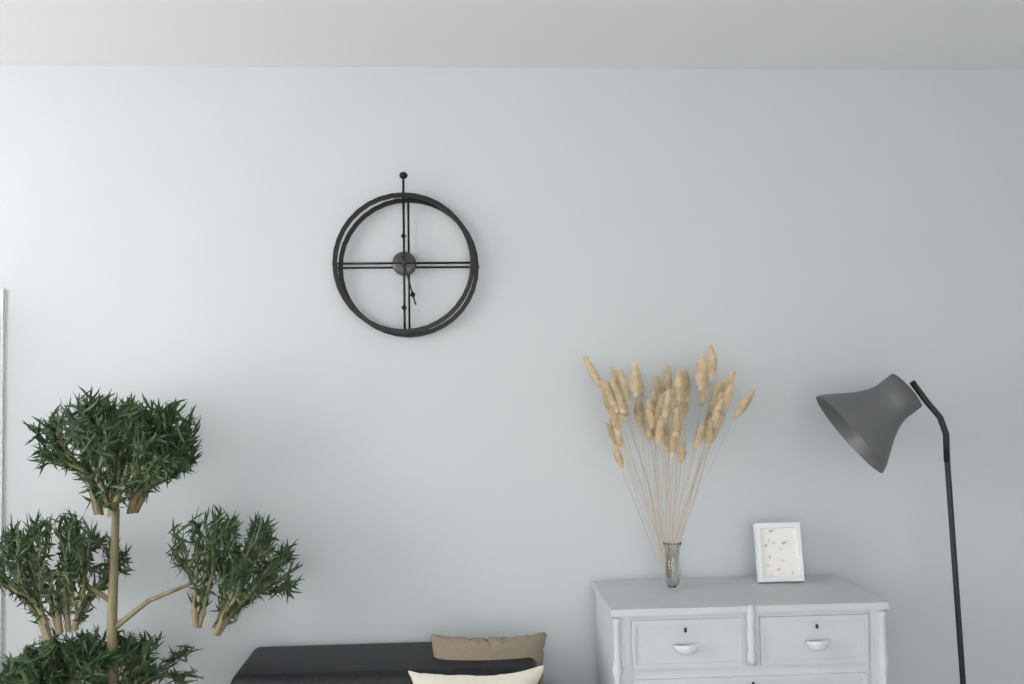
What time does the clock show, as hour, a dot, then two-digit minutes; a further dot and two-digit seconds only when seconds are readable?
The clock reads 5.30
